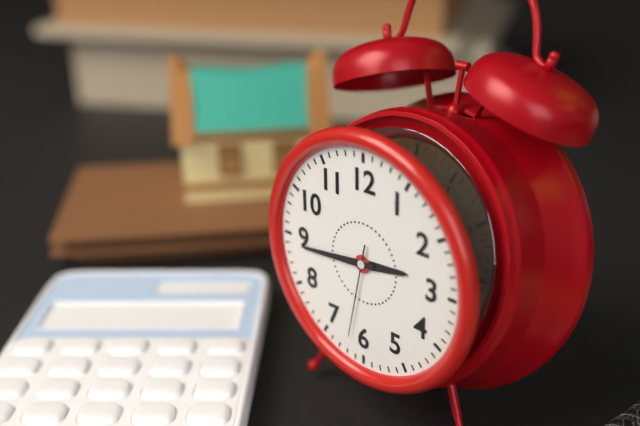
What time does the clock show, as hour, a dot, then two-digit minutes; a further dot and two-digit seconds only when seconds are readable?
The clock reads 2.44.32
